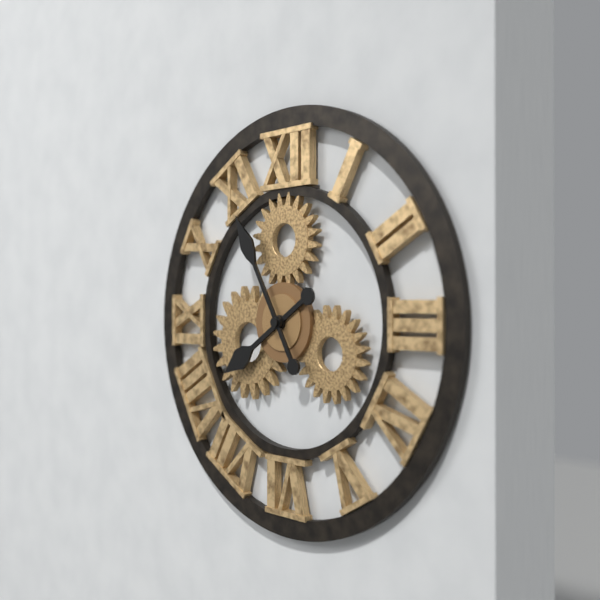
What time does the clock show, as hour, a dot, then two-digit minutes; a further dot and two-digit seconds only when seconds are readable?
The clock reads 7.55
